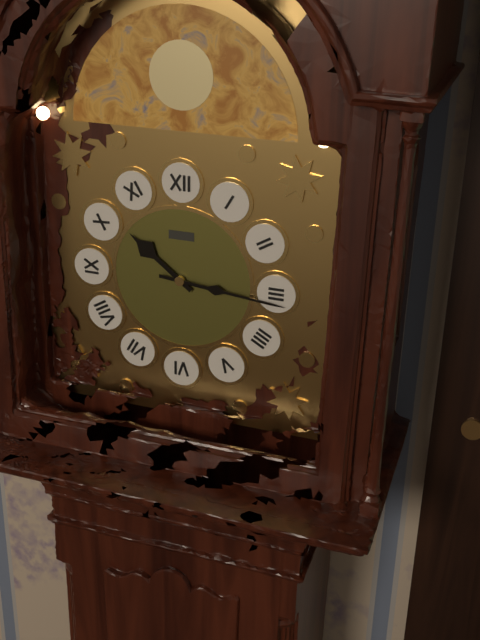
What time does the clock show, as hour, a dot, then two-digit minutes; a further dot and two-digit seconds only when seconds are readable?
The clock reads 10.16
